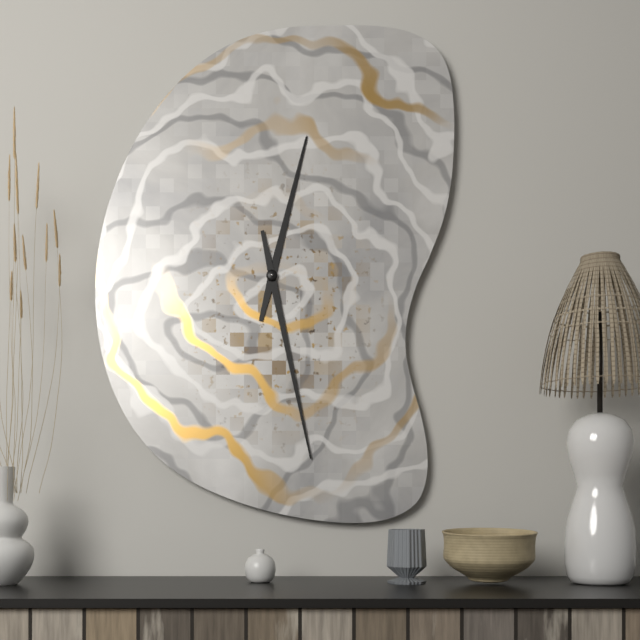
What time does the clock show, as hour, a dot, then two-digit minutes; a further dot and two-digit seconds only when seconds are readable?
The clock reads 12.28
